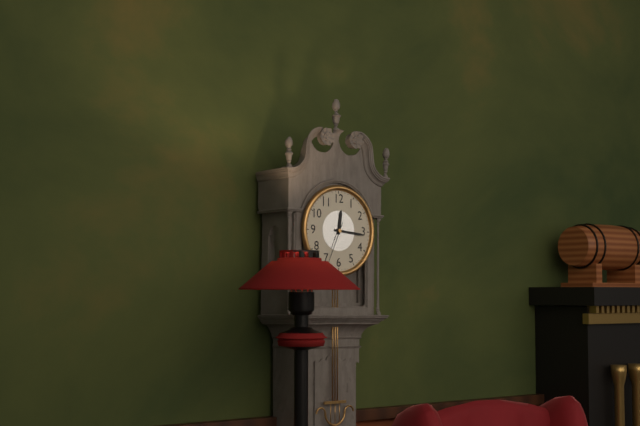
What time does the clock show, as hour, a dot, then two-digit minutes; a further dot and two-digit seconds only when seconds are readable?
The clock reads 12.16
